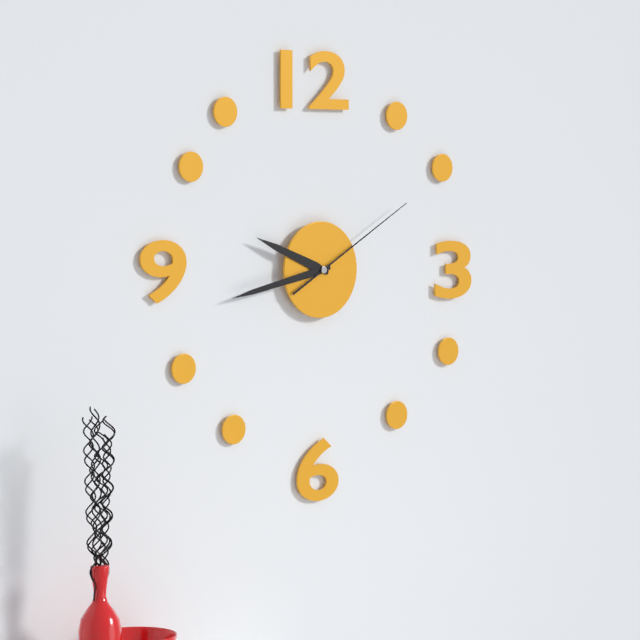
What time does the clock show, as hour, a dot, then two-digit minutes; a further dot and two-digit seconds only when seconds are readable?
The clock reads 9.43.10
